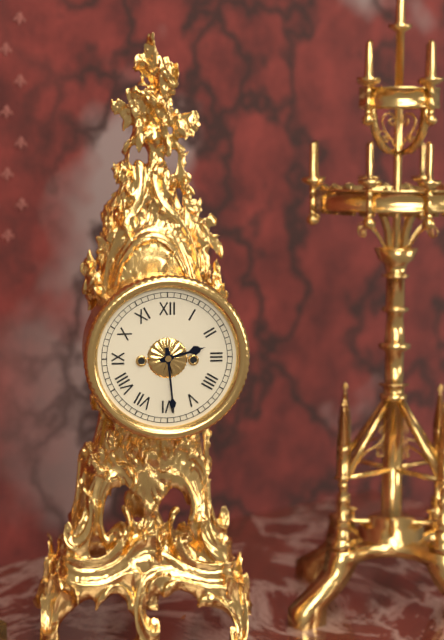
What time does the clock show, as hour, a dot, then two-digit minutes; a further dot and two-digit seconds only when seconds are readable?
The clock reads 2.29
